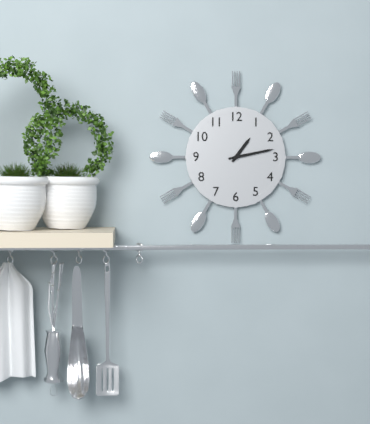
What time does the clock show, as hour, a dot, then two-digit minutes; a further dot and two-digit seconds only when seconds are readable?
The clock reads 1.13
